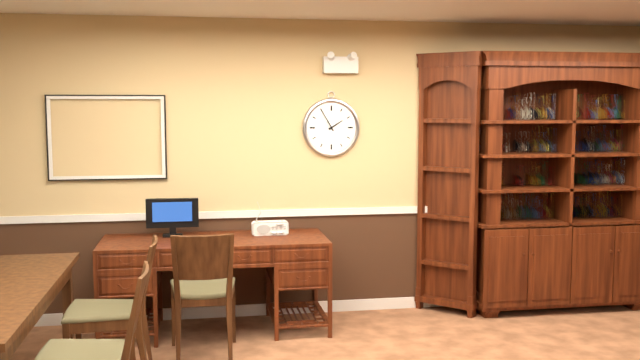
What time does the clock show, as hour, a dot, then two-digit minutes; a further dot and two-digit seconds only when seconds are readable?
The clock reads 1.55
